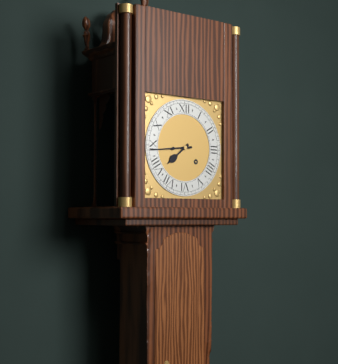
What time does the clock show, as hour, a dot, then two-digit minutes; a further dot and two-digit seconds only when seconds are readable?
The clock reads 7.44
